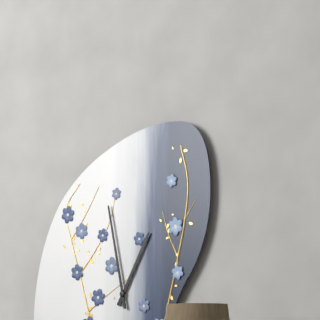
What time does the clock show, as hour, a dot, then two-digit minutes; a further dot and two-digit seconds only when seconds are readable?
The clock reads 12.58
